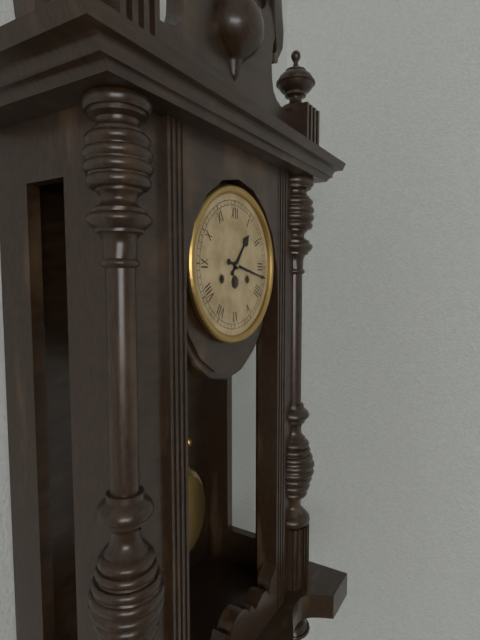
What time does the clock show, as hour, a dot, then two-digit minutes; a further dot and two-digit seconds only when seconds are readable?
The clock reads 1.17
